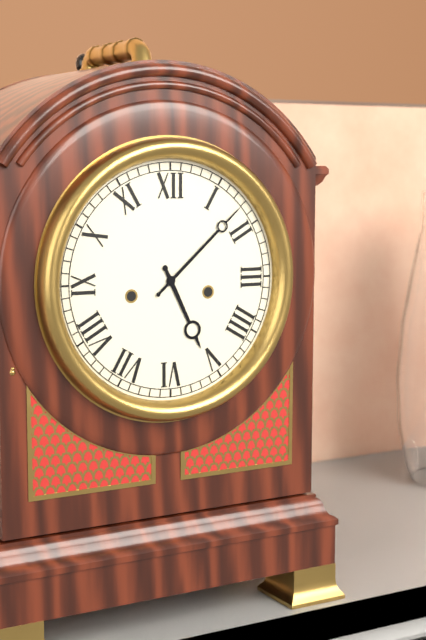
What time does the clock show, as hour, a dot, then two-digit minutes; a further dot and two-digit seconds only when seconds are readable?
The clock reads 5.08
